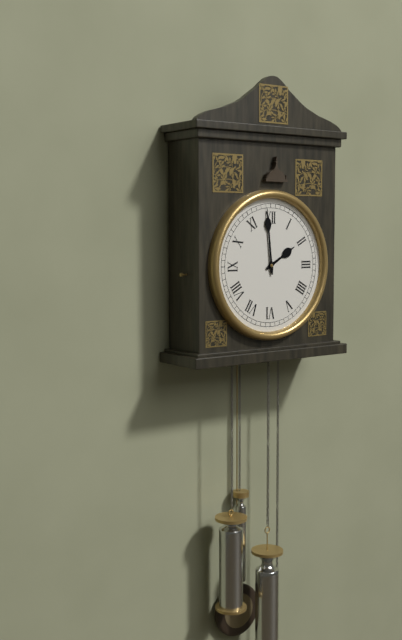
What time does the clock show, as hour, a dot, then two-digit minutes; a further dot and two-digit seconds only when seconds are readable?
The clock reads 1.59
